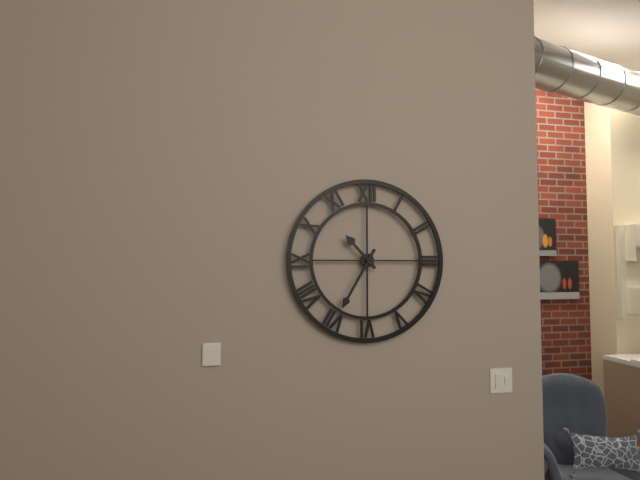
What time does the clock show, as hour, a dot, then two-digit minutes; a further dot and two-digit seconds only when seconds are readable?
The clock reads 10.35
